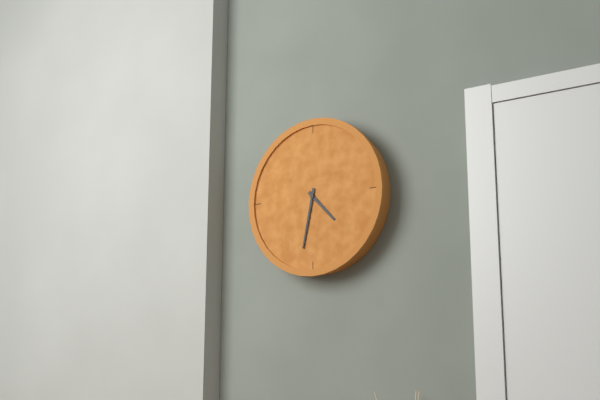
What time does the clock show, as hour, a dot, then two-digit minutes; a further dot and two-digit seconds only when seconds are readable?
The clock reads 4.32
